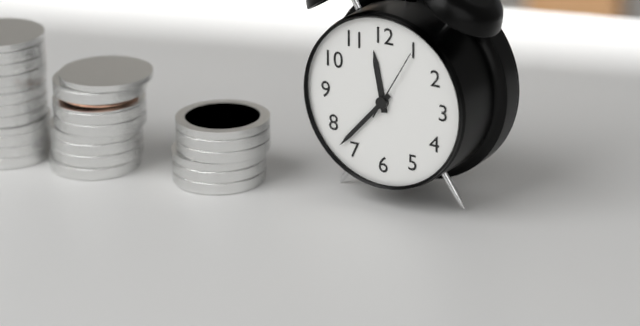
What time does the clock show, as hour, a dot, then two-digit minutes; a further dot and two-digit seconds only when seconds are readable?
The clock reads 11.37.05
